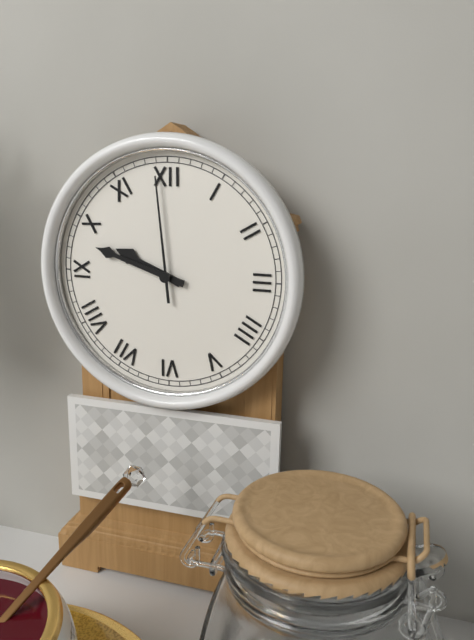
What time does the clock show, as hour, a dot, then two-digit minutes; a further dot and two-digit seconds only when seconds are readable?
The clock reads 9.48.59
